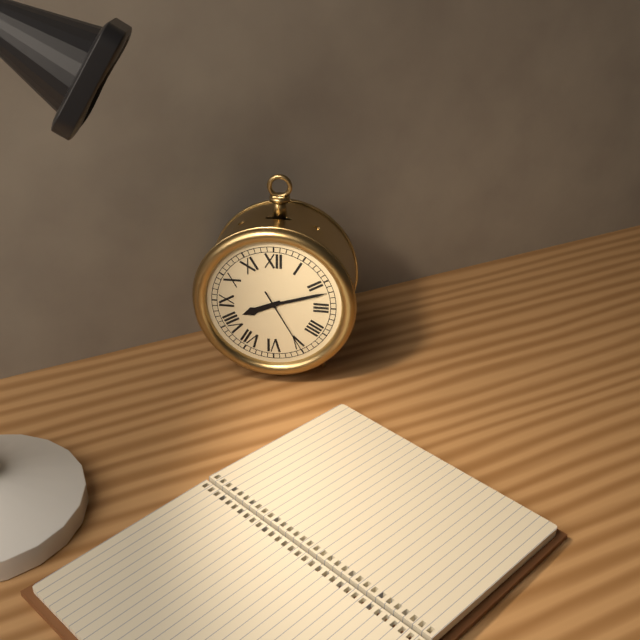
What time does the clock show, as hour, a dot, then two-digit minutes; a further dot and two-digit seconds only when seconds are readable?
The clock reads 8.12.25
